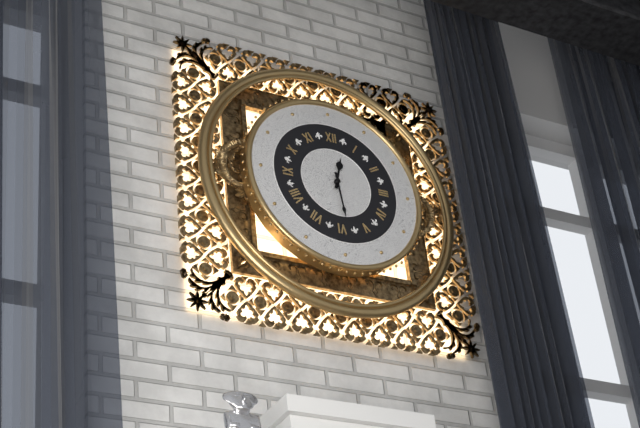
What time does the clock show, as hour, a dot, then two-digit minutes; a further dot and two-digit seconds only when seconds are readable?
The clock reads 12.29
